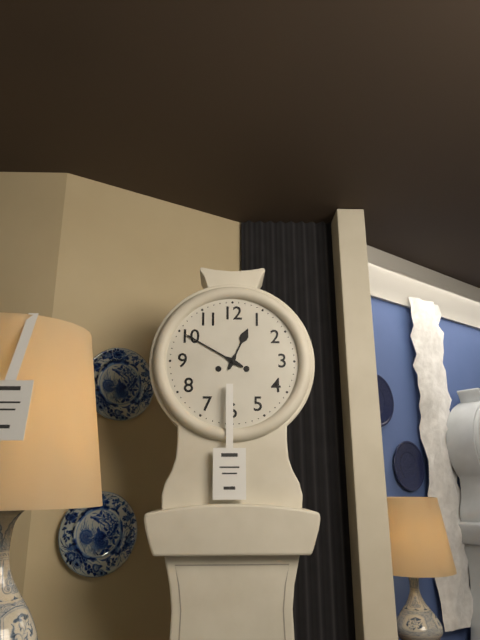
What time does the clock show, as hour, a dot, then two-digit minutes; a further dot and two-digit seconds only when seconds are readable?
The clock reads 12.50
